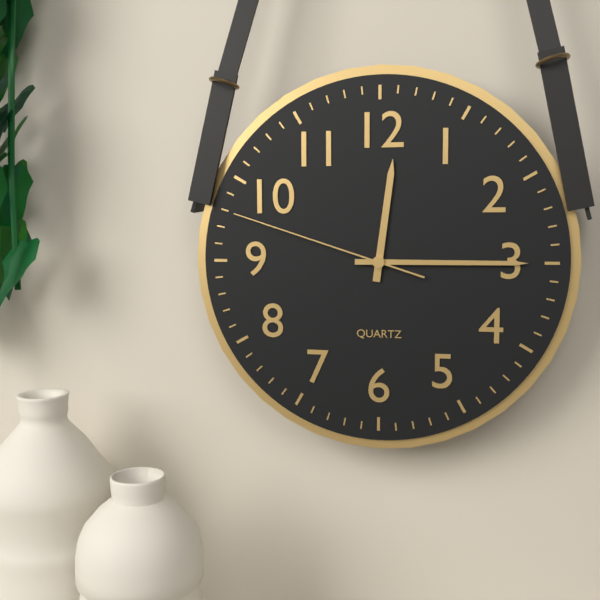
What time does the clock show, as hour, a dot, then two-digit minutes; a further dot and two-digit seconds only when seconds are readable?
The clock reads 12.15.48
